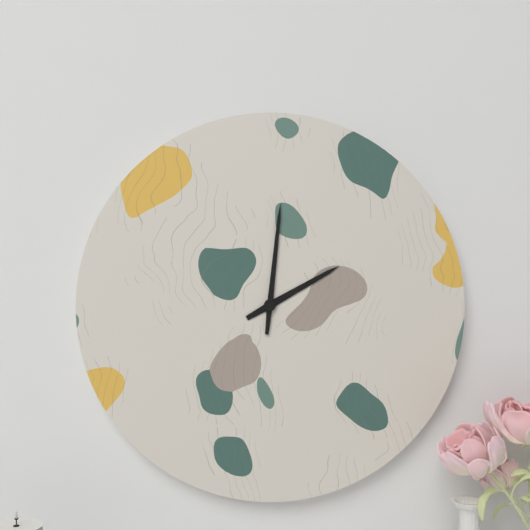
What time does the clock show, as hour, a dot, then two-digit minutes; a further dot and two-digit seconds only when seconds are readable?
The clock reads 2.01
